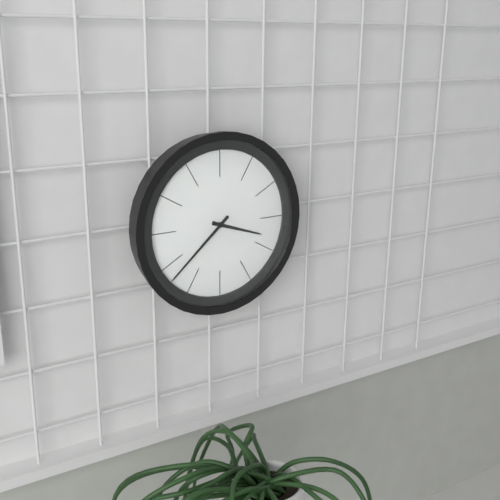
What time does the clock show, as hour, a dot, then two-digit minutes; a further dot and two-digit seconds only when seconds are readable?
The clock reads 3.38
